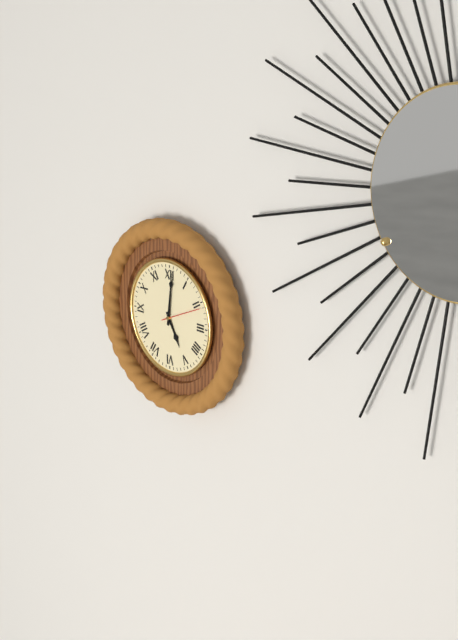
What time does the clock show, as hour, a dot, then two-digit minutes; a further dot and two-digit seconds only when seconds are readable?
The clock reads 5.01
